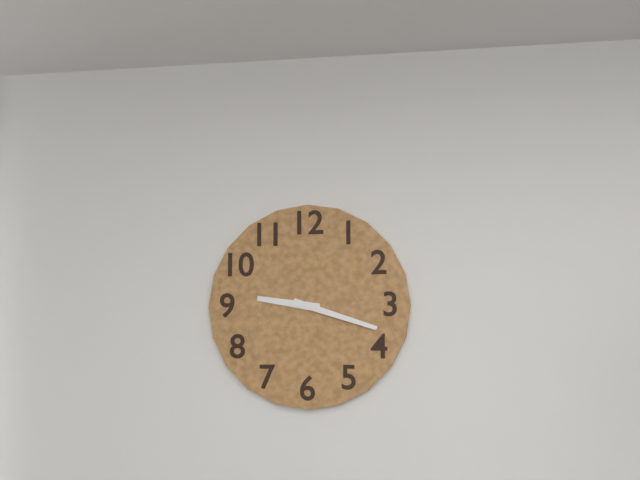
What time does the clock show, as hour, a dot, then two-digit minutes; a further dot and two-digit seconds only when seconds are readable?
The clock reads 9.18
